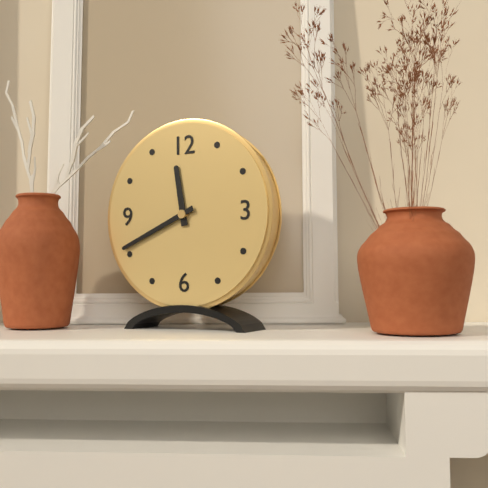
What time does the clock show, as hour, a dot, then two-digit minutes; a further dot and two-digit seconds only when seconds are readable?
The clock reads 11.41
